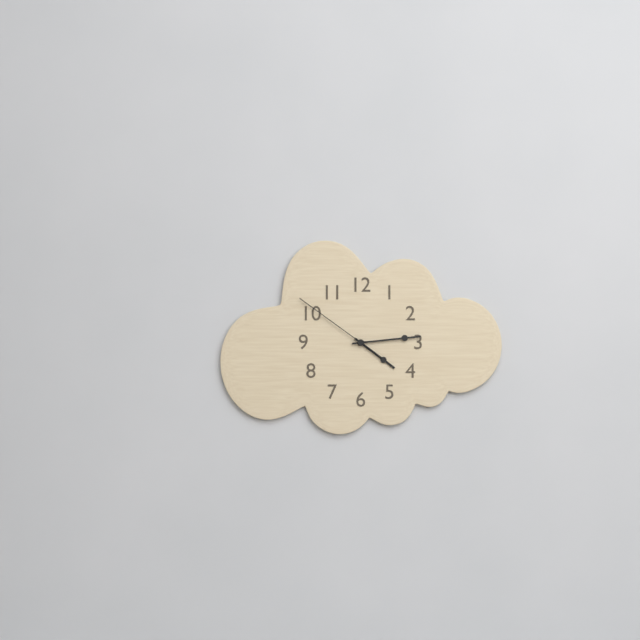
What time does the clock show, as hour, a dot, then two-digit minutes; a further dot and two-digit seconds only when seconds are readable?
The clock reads 4.14.51
